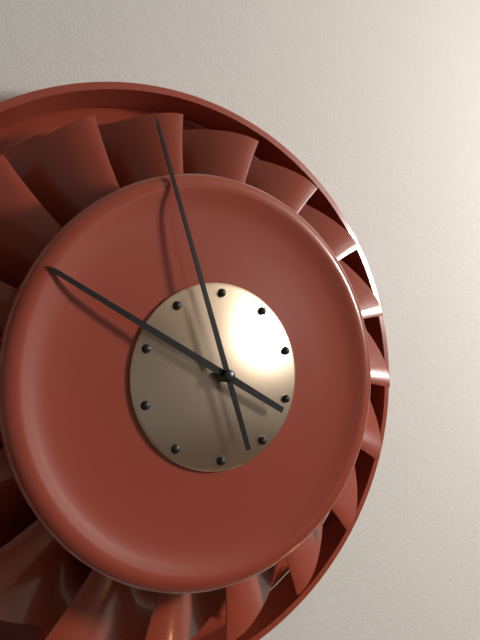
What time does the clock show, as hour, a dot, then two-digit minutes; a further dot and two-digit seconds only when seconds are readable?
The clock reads 9.57
